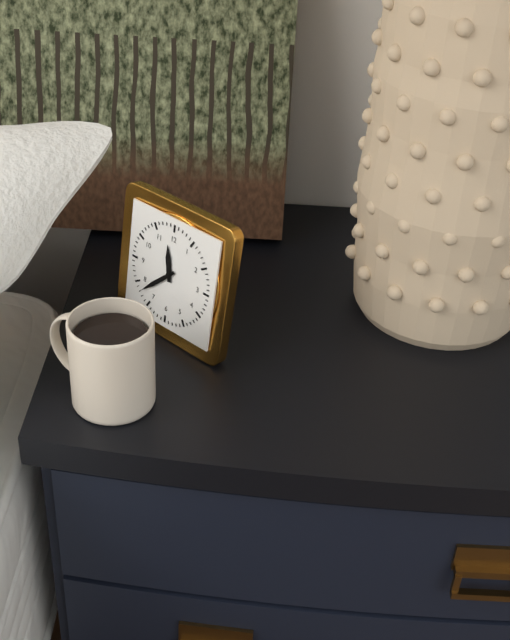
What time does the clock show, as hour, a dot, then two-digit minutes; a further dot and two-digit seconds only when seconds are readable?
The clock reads 11.38
